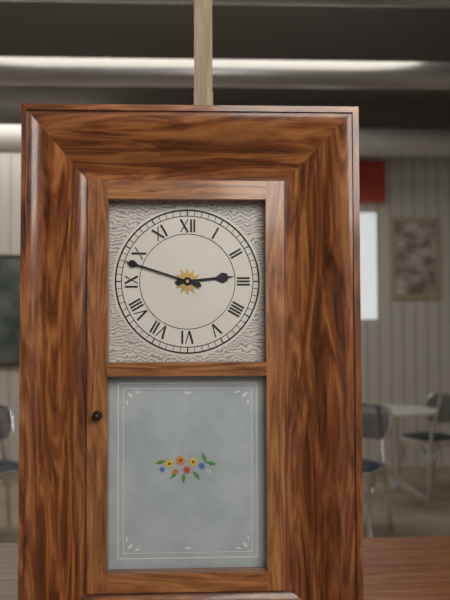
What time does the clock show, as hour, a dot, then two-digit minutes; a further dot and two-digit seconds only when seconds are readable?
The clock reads 2.48
